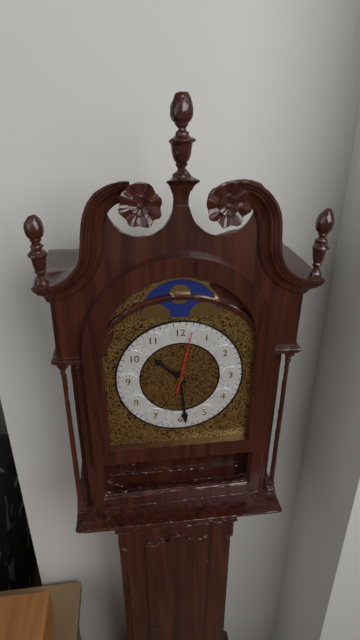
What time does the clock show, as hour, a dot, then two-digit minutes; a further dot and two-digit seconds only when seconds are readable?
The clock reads 10.29.02
